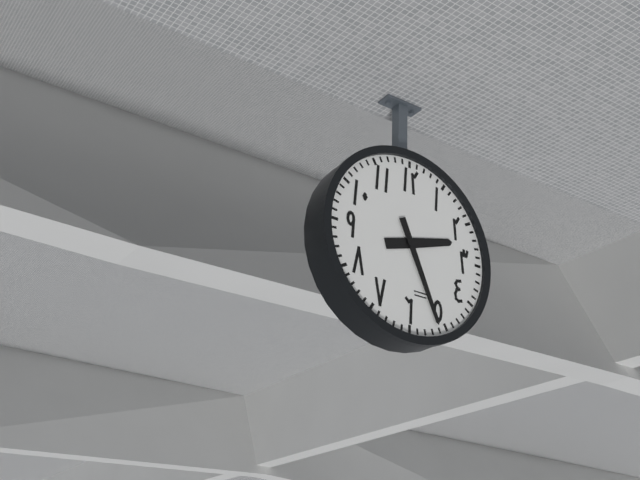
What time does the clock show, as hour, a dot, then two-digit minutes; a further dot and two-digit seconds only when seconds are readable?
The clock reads 2.26
